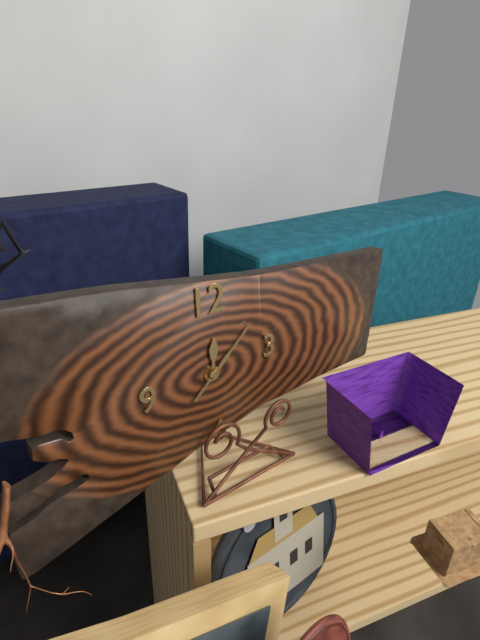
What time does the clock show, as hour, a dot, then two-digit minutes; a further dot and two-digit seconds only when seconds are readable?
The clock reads 12.08
